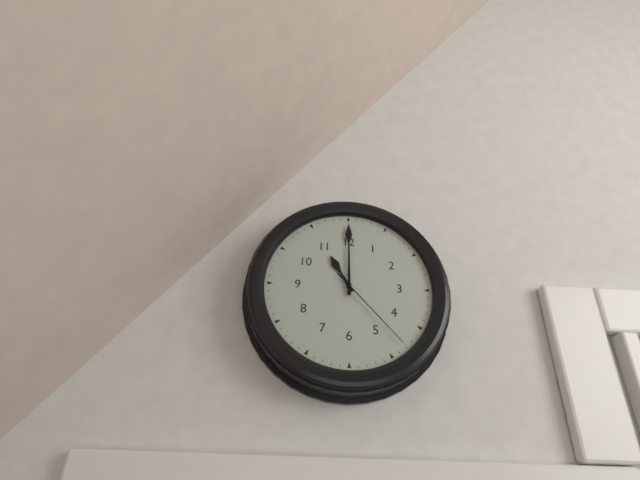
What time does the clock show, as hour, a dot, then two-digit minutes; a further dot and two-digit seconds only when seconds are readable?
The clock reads 11.00.23
